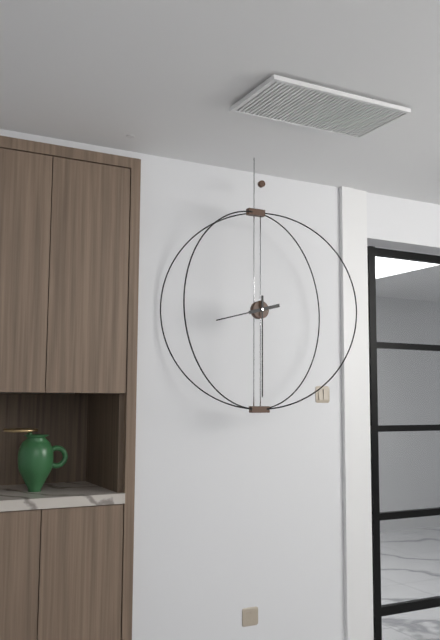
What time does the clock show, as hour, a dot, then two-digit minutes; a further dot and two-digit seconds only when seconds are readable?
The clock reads 8.30
